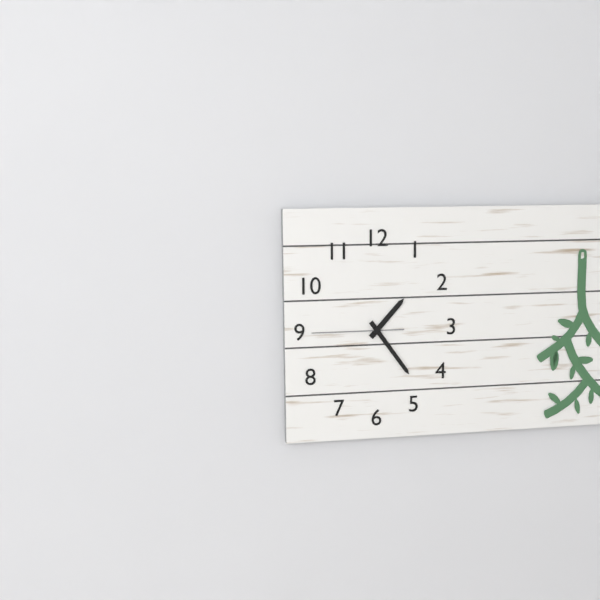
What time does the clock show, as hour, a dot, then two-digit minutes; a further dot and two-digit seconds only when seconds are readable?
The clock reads 1.24.45
